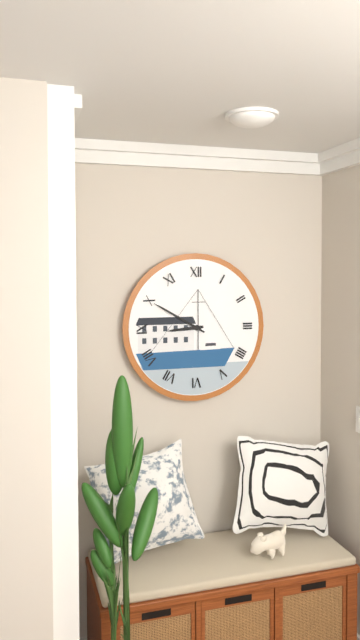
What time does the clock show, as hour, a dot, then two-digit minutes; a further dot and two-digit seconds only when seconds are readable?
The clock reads 8.50
